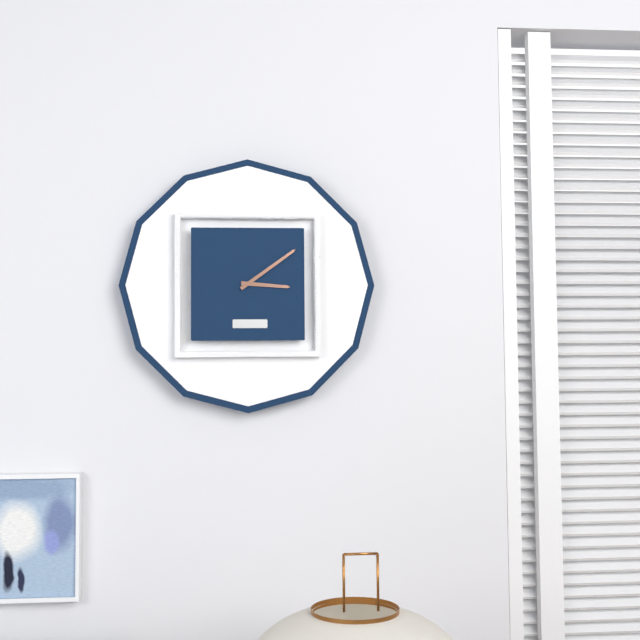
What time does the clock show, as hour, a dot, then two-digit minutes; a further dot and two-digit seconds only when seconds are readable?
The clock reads 3.09
